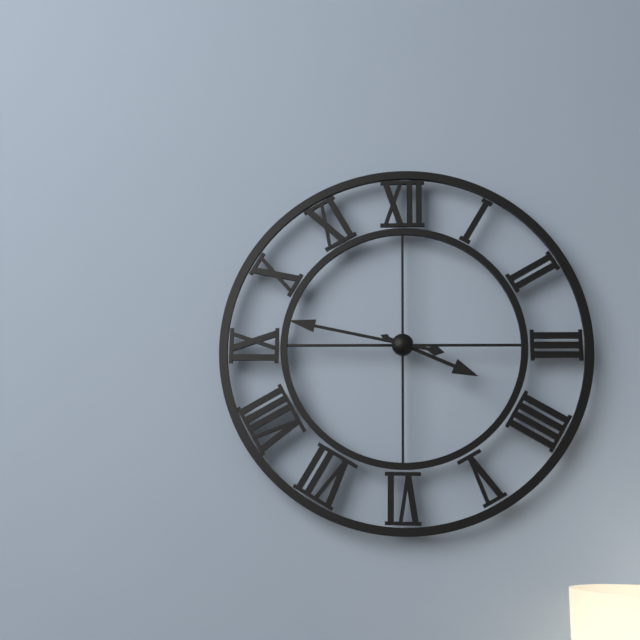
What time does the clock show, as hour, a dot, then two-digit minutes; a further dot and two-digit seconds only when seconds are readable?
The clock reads 3.47
